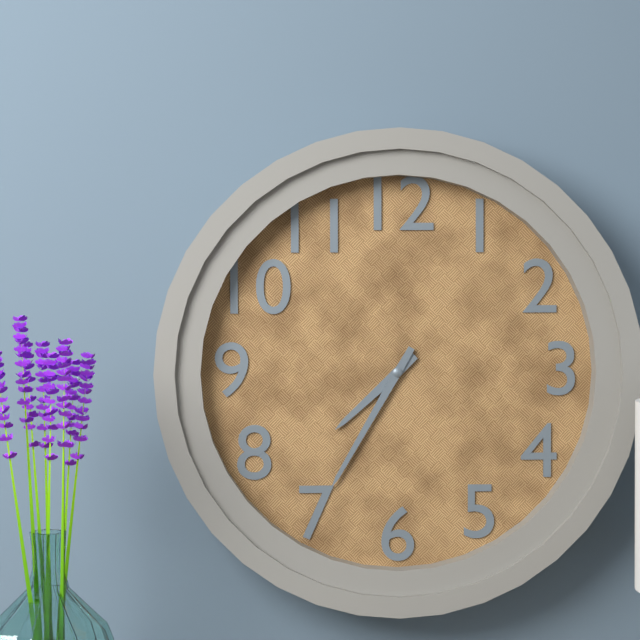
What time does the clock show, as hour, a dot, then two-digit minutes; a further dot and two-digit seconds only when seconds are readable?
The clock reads 7.35
